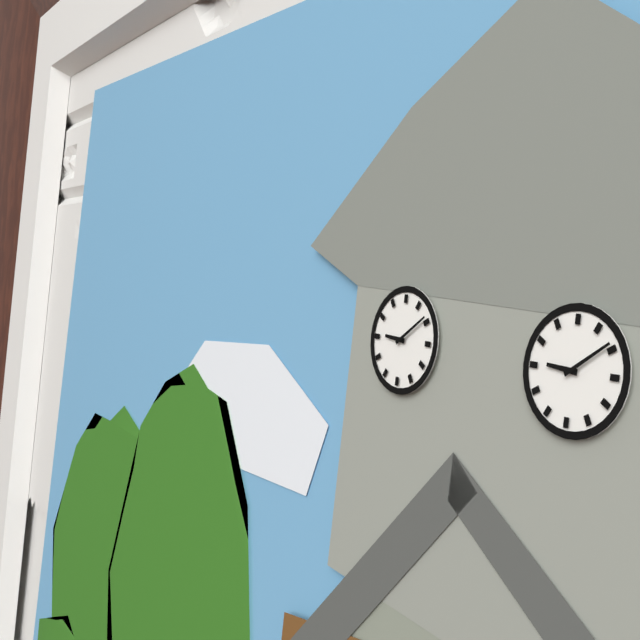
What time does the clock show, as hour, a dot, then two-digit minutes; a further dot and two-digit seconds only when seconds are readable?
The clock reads 9.09
